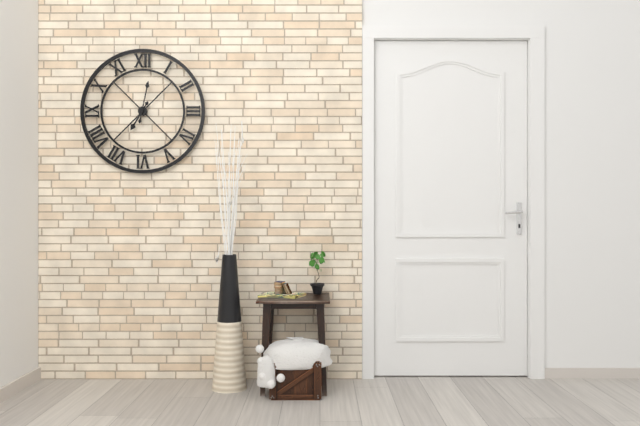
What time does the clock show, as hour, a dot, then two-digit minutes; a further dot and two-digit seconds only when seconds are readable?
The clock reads 7.02
